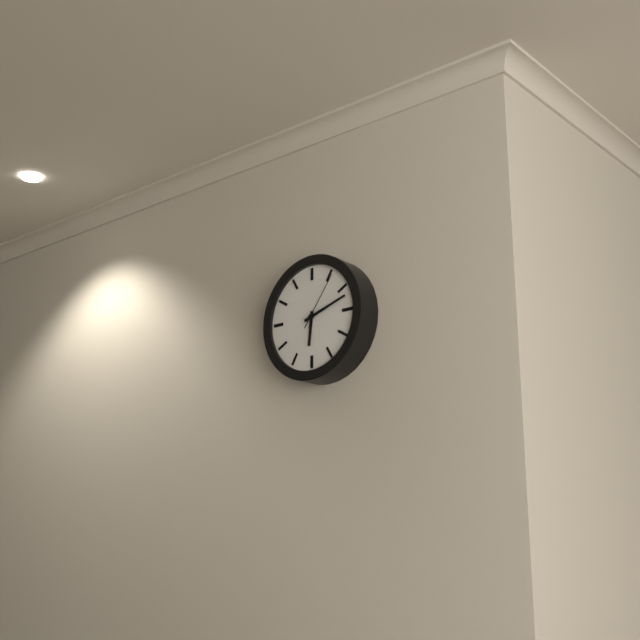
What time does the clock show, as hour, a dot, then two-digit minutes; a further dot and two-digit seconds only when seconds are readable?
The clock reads 6.12.06
